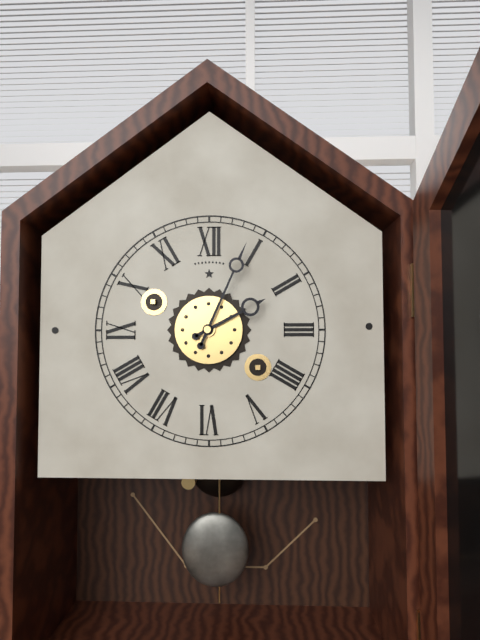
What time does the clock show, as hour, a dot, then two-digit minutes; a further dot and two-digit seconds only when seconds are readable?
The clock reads 2.04
